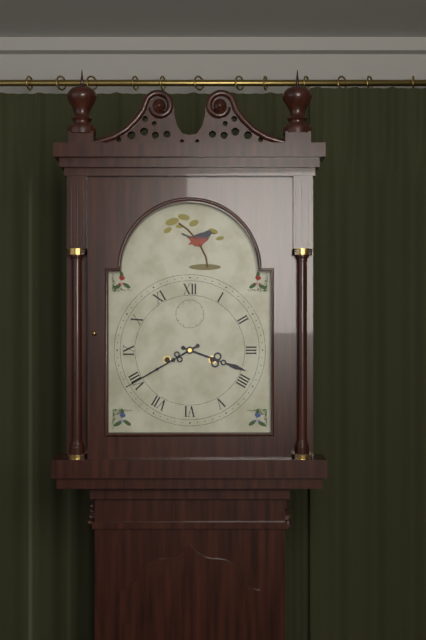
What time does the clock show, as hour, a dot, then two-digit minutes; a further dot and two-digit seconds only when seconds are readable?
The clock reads 3.40
